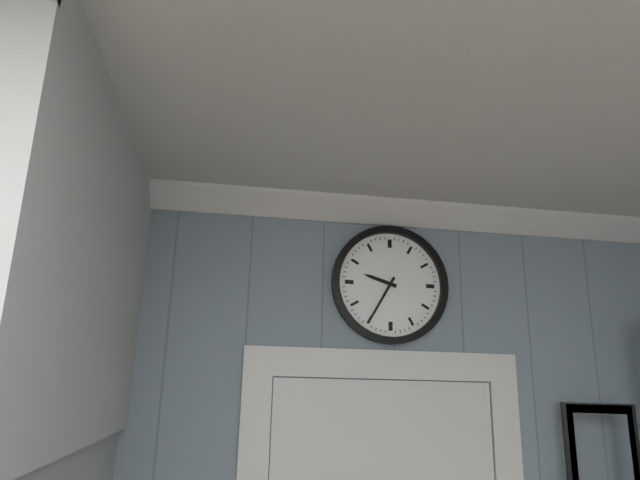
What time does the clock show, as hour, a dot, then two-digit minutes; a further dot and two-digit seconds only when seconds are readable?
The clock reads 9.35
